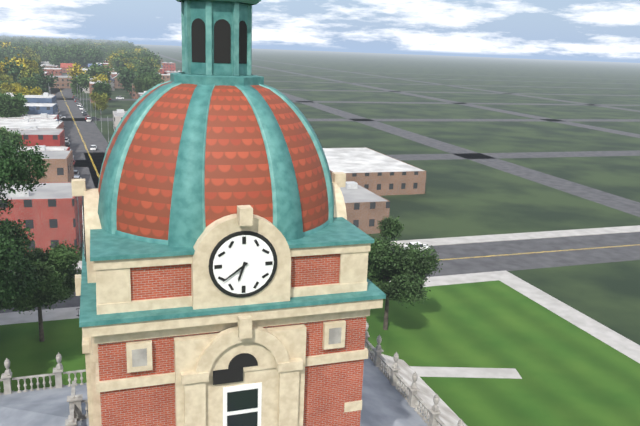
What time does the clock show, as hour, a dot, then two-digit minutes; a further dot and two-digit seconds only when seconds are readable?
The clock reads 6.39
